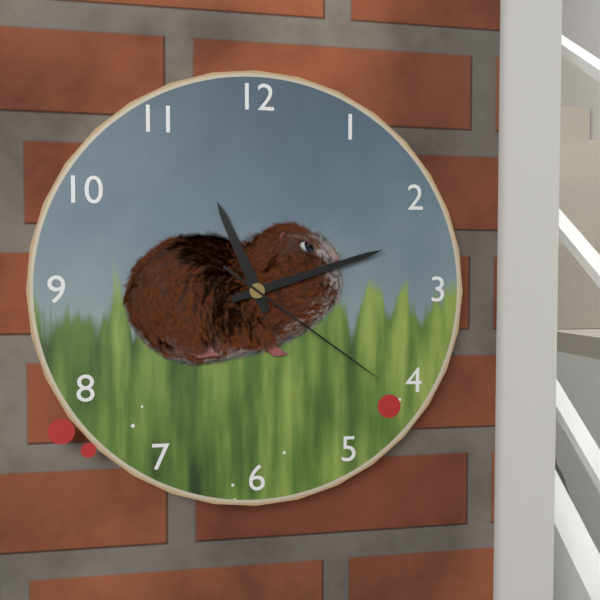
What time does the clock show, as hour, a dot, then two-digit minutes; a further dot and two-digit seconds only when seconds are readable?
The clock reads 11.12.21
